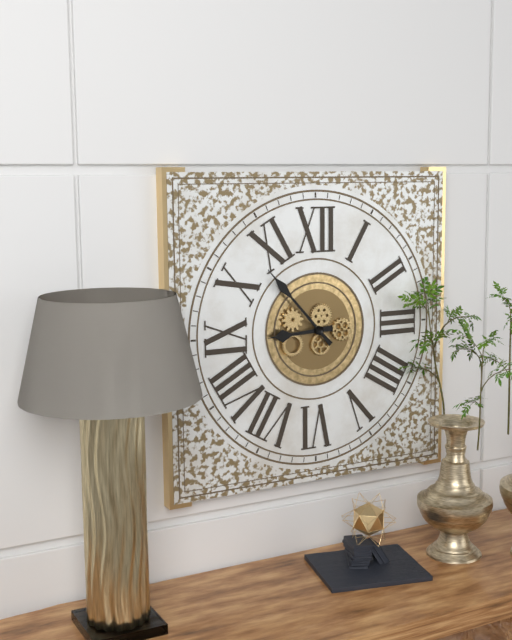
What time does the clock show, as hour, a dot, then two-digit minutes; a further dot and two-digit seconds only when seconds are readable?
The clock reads 8.53
